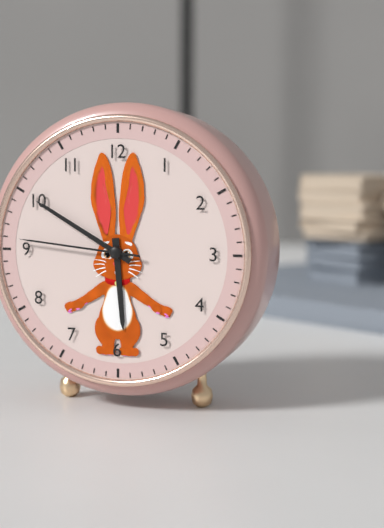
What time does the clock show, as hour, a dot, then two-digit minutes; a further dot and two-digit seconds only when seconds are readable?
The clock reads 5.50.46
